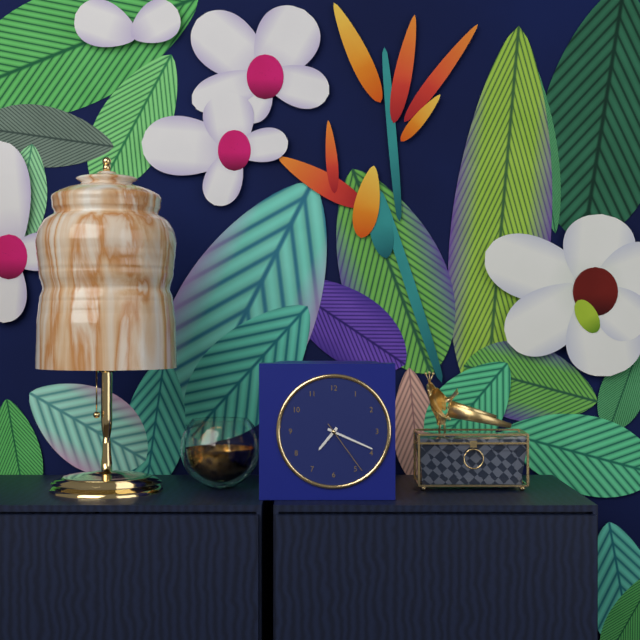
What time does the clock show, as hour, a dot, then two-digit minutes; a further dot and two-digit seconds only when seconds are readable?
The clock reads 7.19.24
